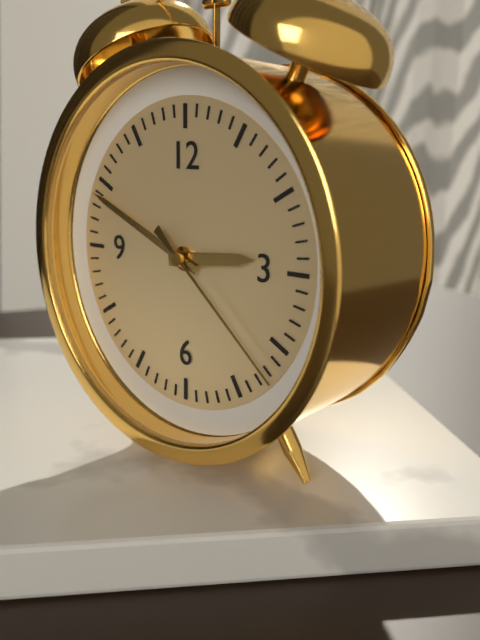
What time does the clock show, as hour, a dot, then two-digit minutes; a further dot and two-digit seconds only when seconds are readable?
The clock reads 2.49.22
